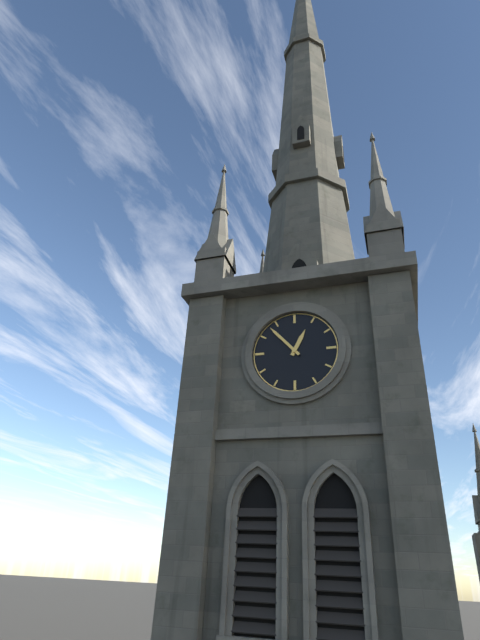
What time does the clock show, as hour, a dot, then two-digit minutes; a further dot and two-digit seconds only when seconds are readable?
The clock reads 12.53
